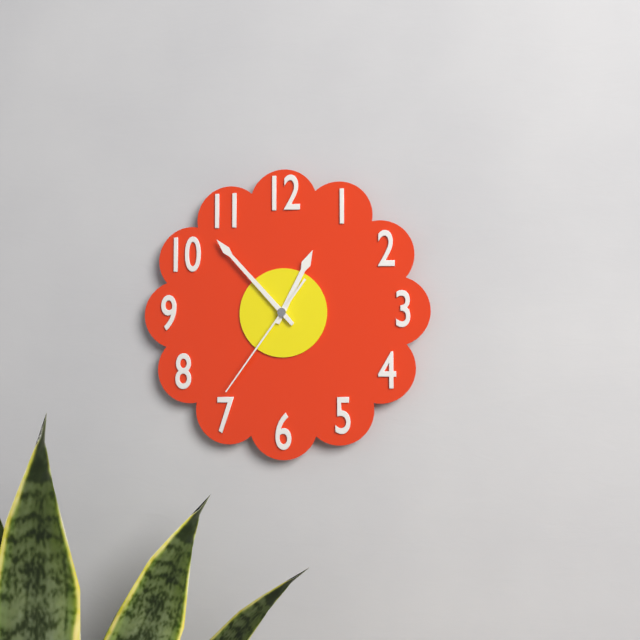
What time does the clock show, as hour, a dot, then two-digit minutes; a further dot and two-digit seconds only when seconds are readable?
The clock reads 12.53.36
